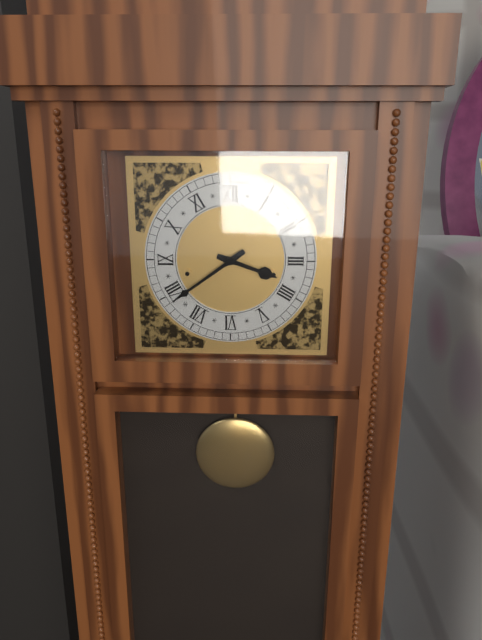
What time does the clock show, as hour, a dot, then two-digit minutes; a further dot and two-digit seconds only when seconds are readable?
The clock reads 3.39
